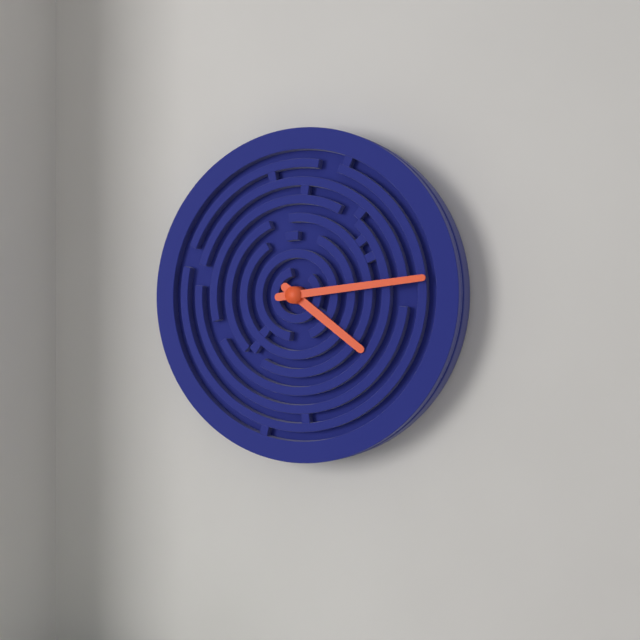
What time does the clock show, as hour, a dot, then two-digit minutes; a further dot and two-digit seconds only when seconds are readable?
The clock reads 4.14
